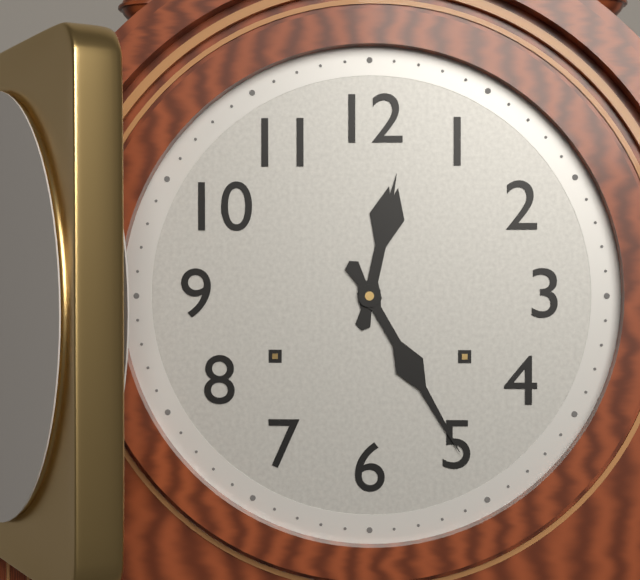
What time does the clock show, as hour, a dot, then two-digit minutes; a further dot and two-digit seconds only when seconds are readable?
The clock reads 12.25
